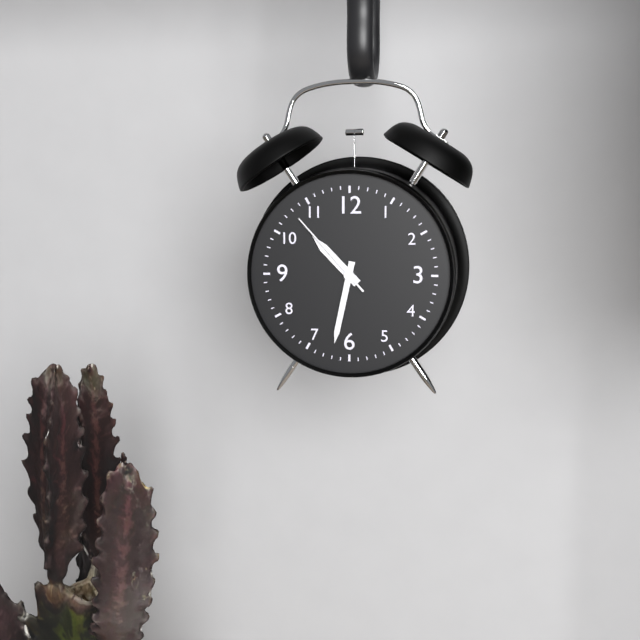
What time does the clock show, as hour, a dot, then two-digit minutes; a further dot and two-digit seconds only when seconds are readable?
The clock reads 10.32.53
